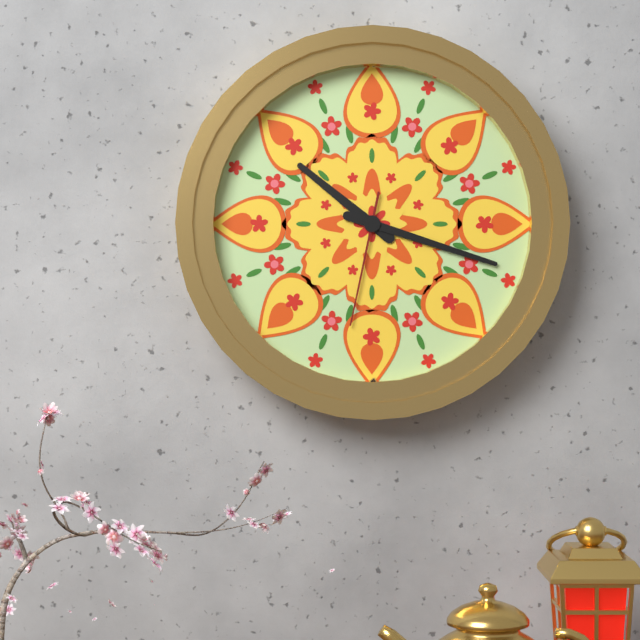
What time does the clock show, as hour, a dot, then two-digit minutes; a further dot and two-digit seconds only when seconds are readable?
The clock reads 10.18.32
